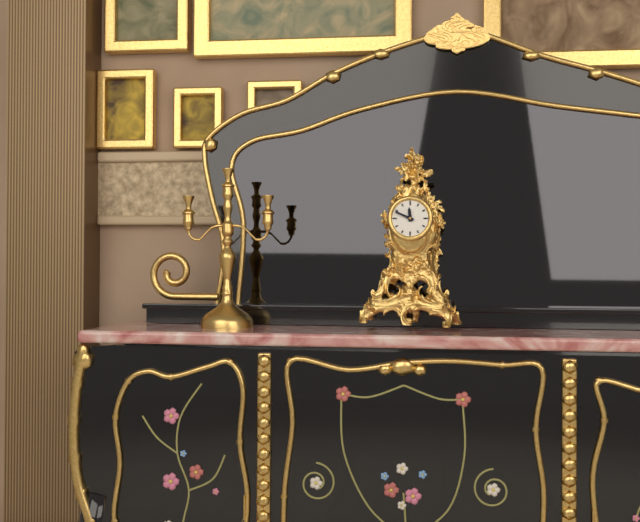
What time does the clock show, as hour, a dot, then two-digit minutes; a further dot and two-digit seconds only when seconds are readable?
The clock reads 11.49
